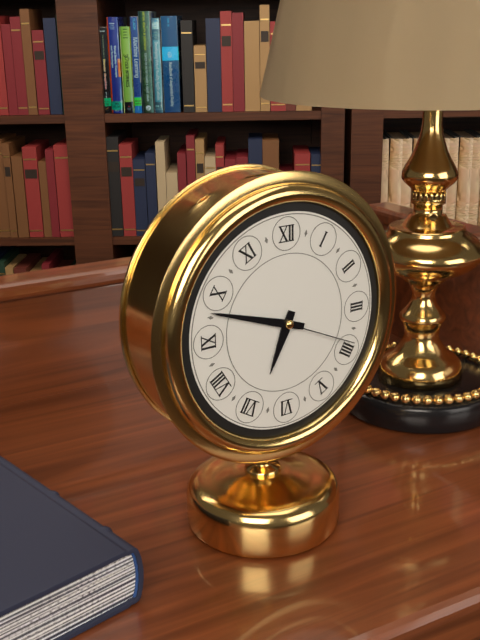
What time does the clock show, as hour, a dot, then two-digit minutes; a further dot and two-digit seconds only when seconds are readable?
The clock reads 6.48.19
